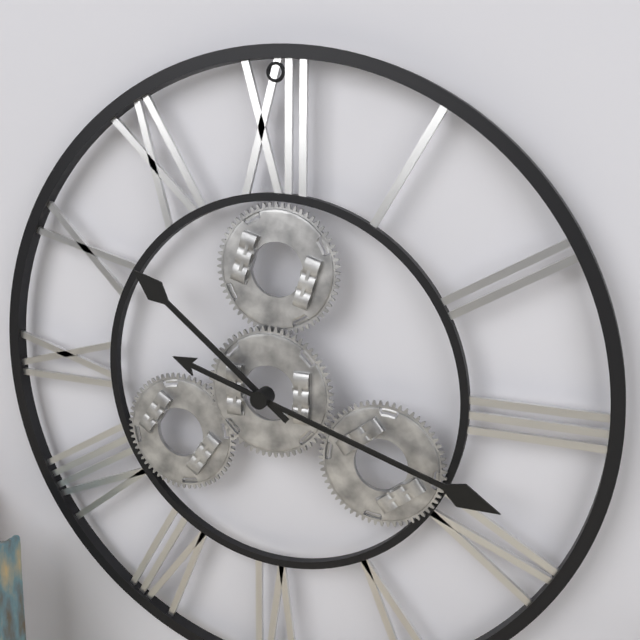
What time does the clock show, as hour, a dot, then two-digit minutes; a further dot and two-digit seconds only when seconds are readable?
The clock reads 10.18
